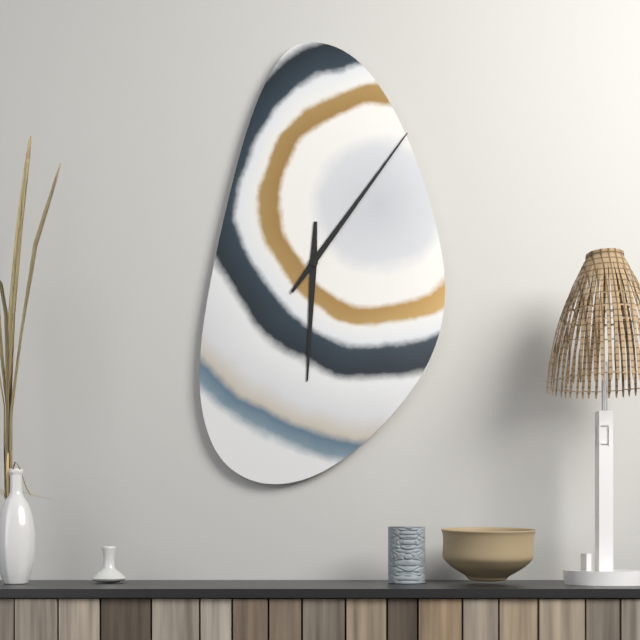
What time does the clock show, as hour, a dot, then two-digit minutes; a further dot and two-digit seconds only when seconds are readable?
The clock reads 6.06
